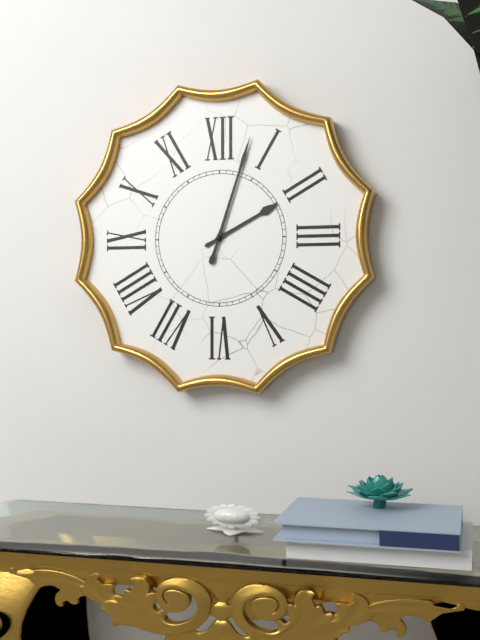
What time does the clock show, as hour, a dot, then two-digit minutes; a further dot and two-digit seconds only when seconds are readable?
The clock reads 2.03
